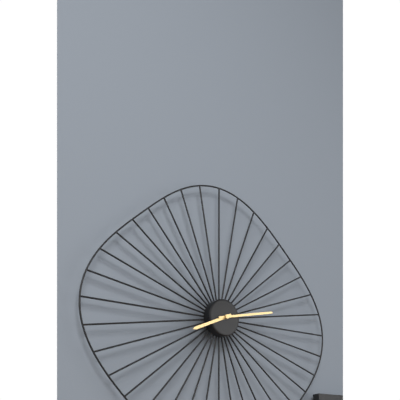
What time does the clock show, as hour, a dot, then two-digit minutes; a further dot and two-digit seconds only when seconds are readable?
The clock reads 8.13
